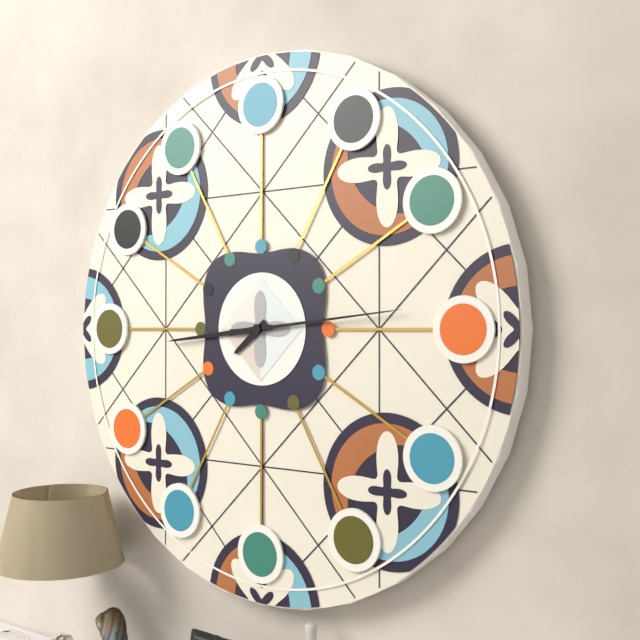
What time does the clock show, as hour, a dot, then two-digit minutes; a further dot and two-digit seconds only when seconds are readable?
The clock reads 7.44.14
